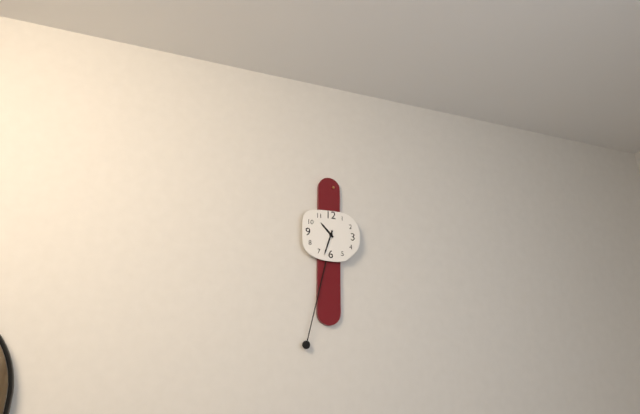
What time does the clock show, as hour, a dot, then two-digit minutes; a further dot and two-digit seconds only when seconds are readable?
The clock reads 10.33
